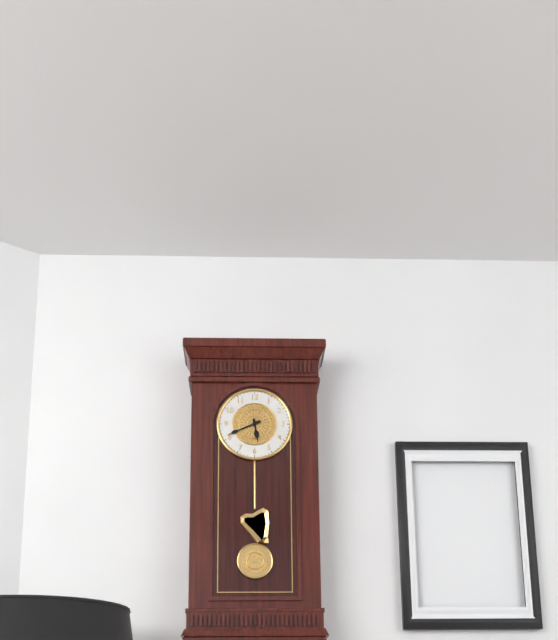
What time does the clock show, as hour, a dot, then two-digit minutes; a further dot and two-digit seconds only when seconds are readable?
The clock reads 5.41
